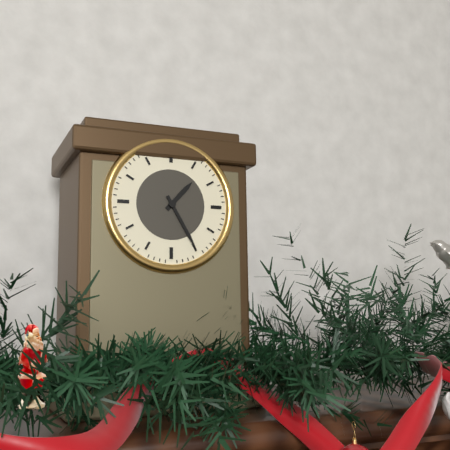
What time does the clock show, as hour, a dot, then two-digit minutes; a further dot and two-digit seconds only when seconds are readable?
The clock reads 1.25
